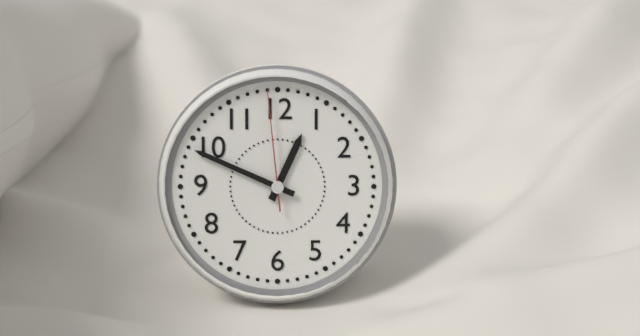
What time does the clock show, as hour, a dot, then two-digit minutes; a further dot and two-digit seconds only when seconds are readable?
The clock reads 12.49.59
